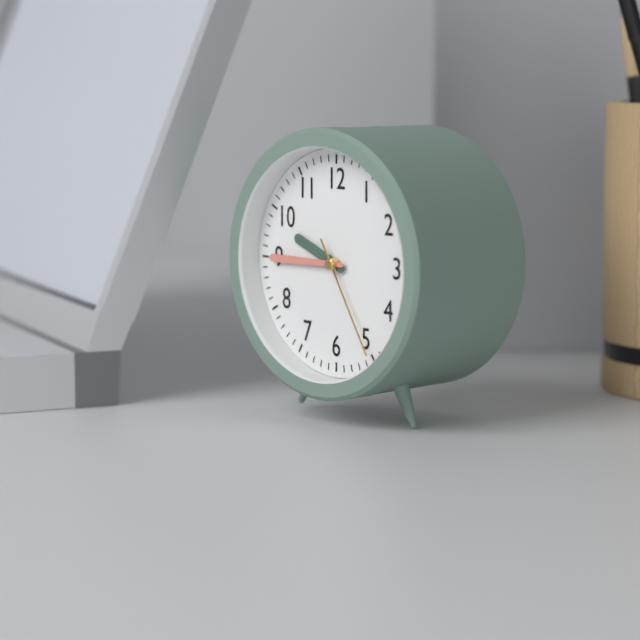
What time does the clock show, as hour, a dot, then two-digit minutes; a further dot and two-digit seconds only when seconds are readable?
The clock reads 9.45.25
